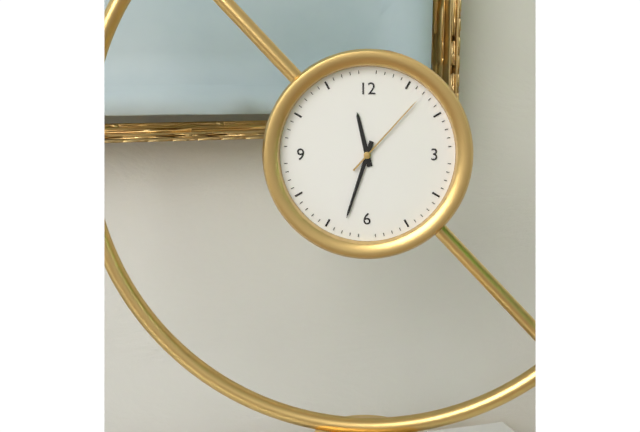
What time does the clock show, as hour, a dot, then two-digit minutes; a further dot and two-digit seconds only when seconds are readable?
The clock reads 11.33.07
